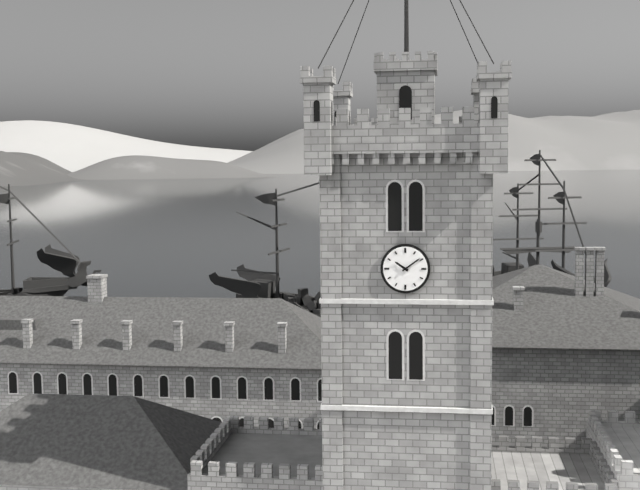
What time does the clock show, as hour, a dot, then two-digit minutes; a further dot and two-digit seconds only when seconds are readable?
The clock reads 10.09
